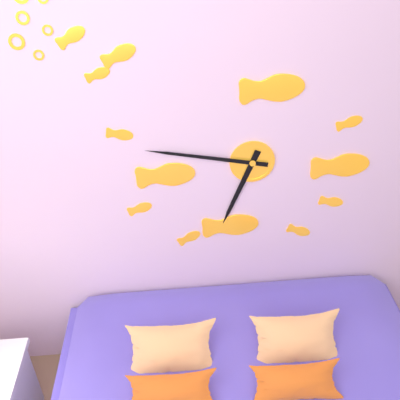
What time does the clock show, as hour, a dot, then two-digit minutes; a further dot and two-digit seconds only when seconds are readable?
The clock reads 6.47
